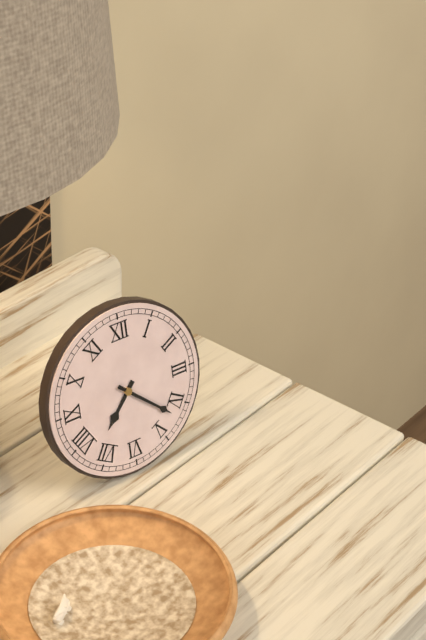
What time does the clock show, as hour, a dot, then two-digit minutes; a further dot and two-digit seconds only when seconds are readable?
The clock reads 7.22
